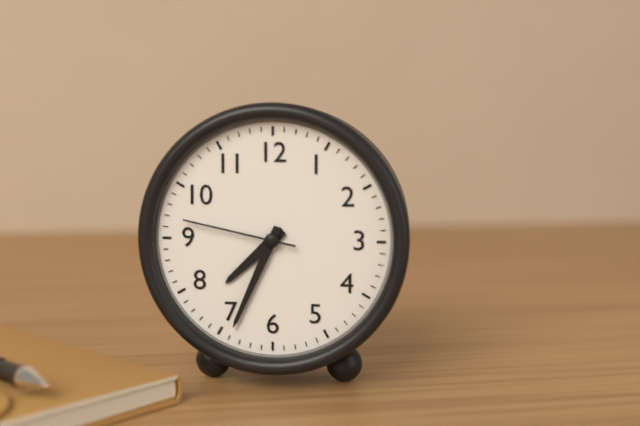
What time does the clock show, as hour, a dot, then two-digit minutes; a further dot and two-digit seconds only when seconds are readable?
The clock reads 7.34.47
